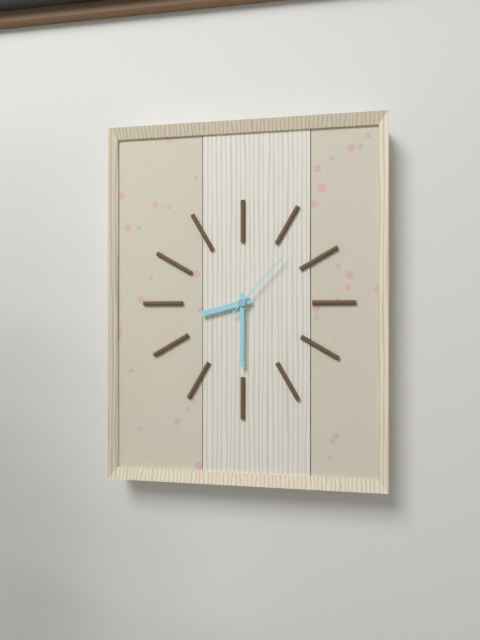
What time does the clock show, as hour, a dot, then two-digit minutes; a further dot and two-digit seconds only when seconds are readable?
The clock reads 8.30.07
